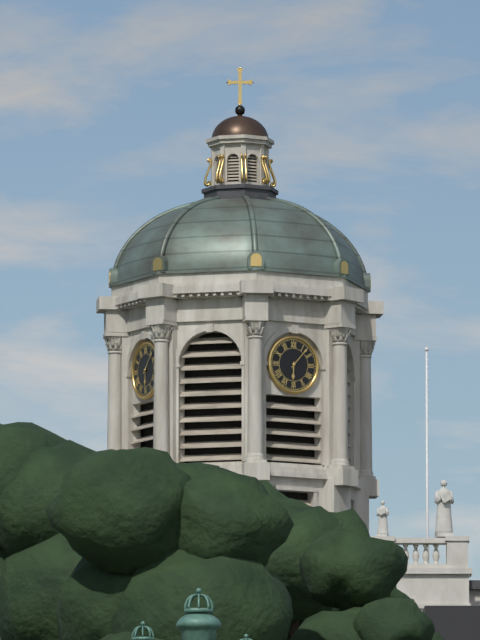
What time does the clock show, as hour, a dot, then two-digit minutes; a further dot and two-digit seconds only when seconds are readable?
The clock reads 6.07
